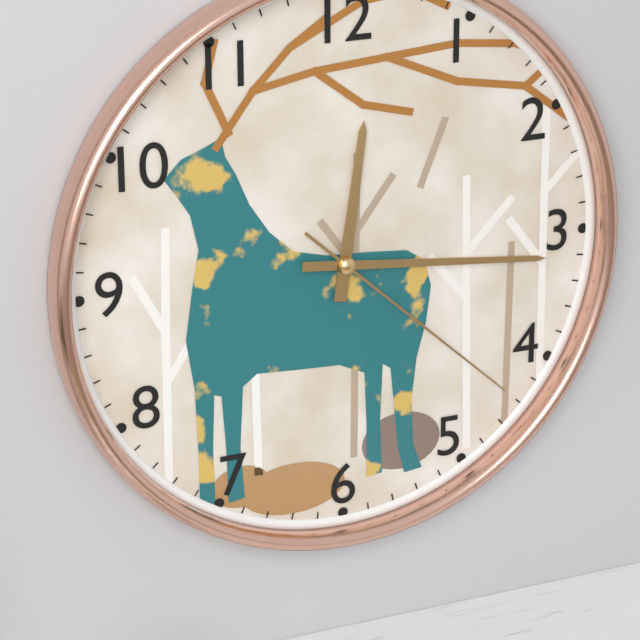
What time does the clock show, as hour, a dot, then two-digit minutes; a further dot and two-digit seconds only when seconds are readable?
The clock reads 12.16.22
